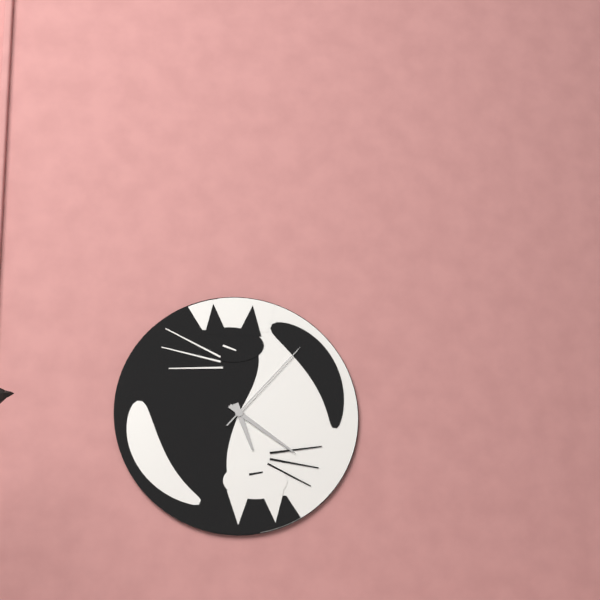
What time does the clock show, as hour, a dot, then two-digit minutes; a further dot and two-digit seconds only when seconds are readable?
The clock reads 5.21.07
